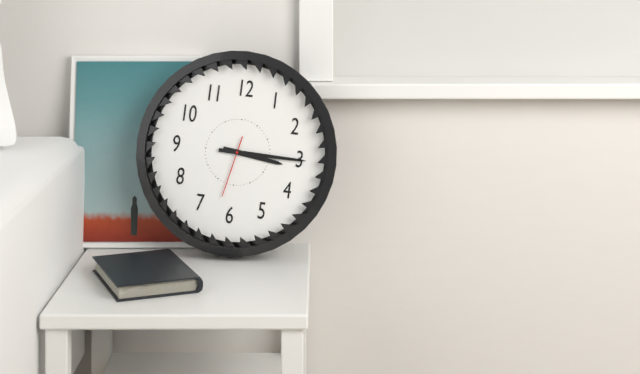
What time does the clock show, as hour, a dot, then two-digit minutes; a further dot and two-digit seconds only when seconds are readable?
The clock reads 3.15.32
